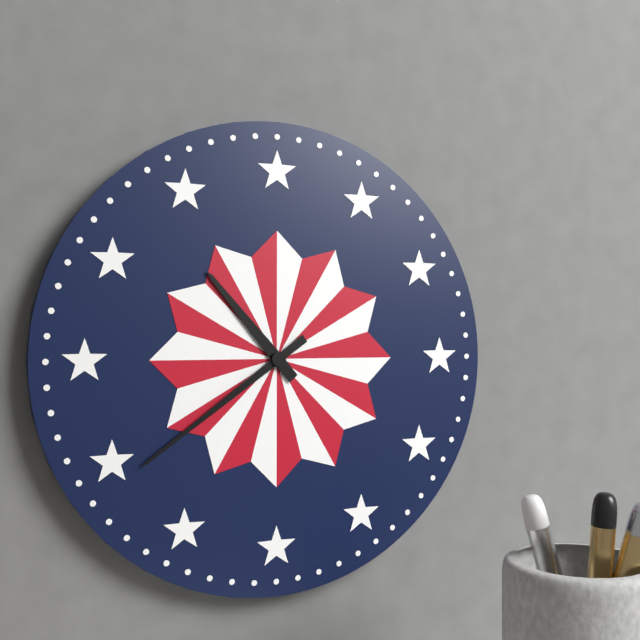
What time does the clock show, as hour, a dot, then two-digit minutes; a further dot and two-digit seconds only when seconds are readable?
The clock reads 10.39
